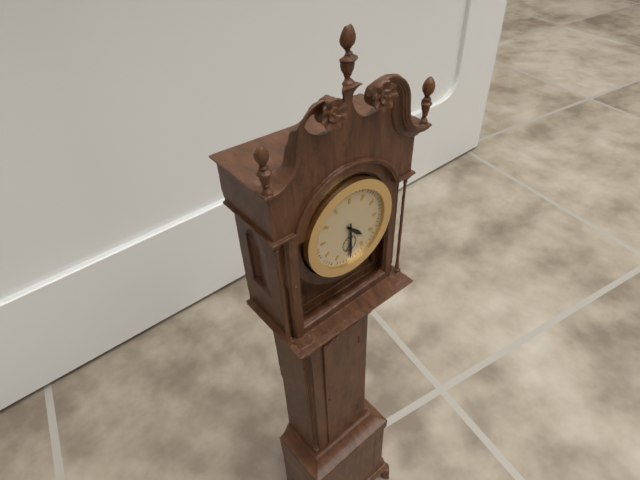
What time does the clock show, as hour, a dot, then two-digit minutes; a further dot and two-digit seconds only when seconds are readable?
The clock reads 4.30
